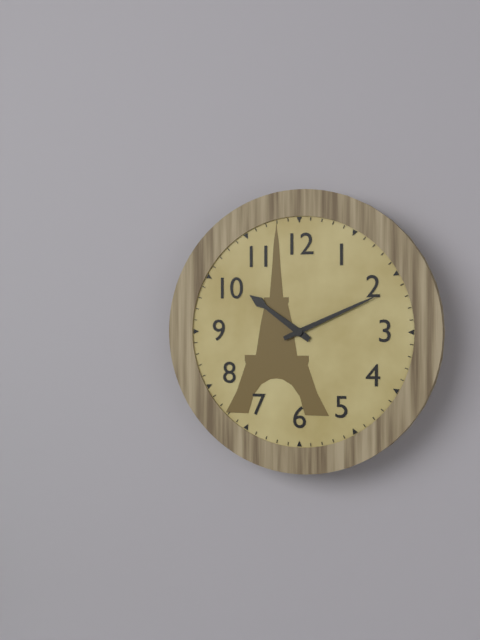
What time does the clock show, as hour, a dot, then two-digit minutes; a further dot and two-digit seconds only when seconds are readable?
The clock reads 10.11
